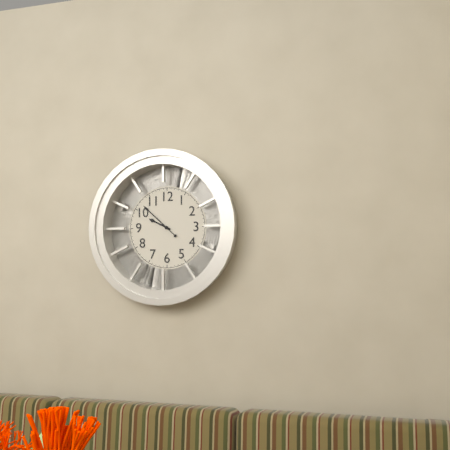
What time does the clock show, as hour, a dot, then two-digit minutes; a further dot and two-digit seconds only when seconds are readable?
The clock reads 9.52
